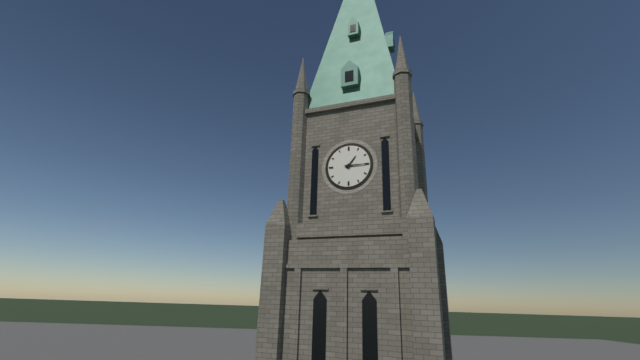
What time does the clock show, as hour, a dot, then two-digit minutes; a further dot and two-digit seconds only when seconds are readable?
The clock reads 1.15
